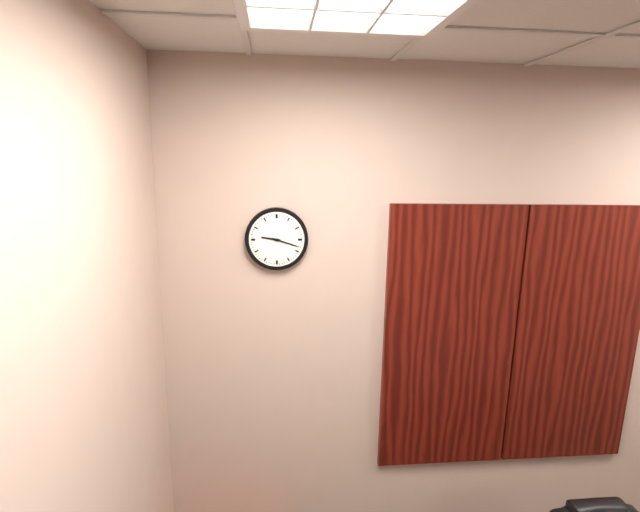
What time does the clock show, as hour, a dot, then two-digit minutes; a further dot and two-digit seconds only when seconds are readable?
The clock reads 9.18
